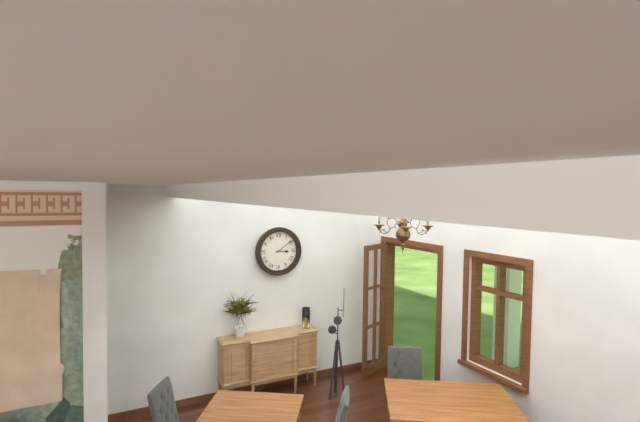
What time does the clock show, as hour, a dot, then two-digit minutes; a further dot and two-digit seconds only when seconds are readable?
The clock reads 3.09
